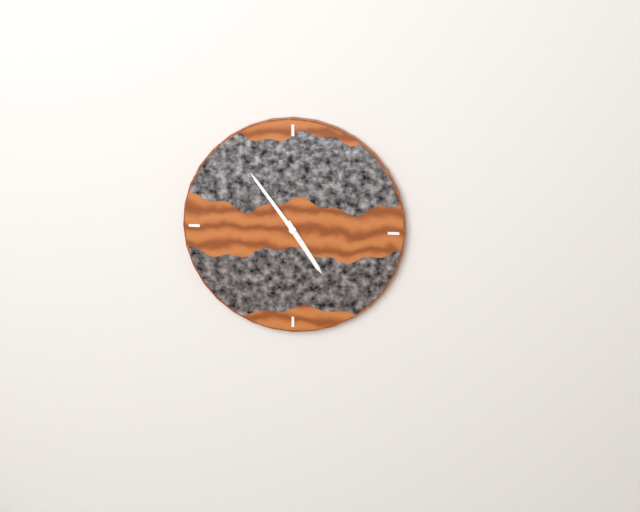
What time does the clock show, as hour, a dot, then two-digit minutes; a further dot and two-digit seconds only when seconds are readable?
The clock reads 4.54
